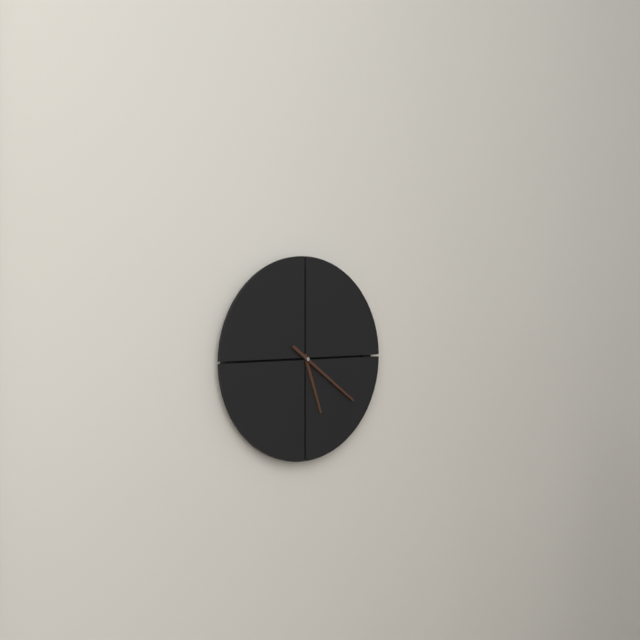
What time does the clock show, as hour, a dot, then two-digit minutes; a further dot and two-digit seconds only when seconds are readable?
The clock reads 5.21
